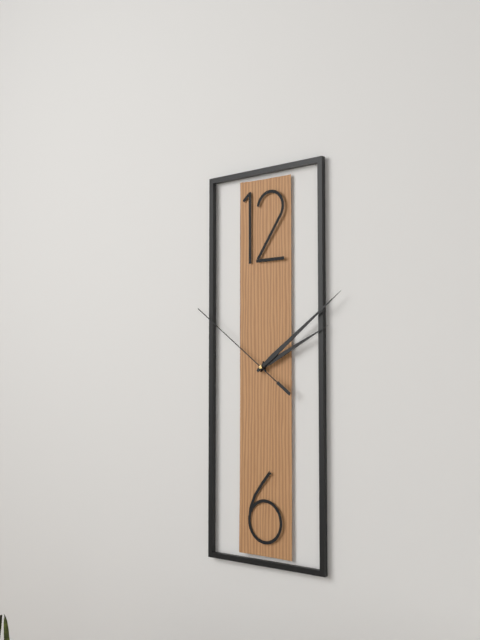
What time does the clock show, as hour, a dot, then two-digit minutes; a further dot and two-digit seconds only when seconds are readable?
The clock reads 2.09.51
